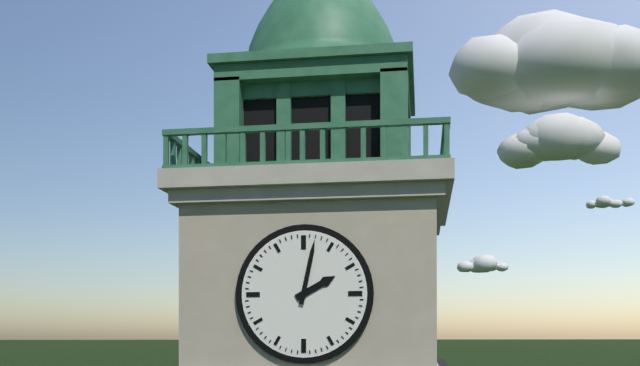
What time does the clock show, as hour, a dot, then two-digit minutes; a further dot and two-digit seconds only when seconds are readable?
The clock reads 2.02
